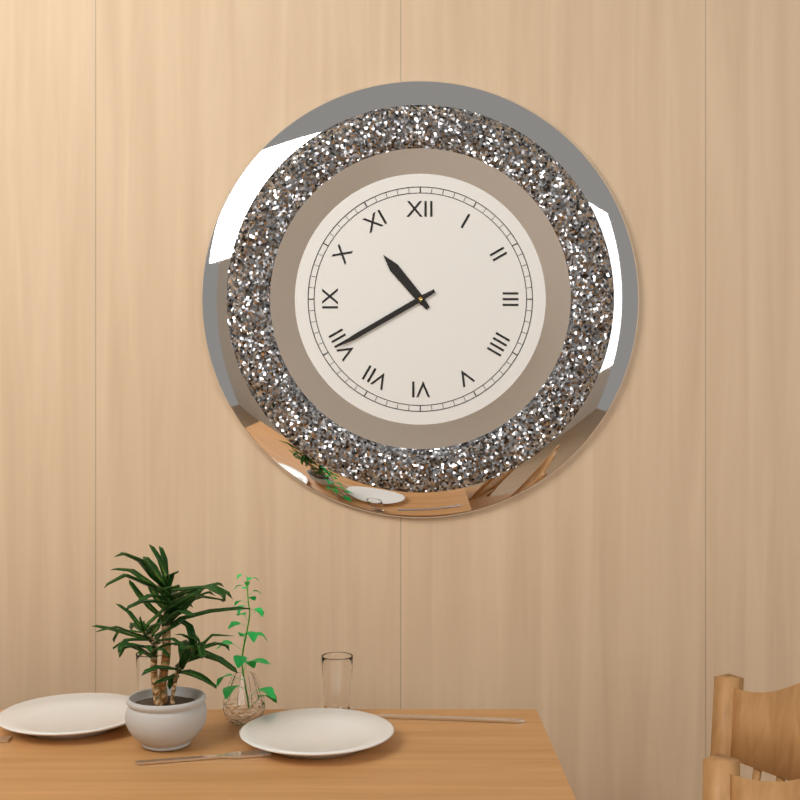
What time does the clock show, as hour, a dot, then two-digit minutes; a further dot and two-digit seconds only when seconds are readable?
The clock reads 10.40
